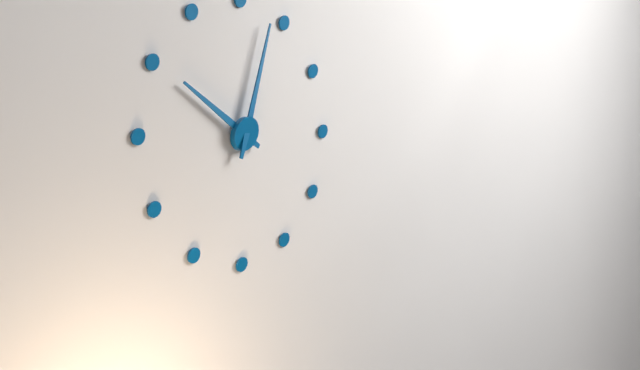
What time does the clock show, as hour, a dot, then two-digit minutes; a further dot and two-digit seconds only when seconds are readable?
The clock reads 10.03
